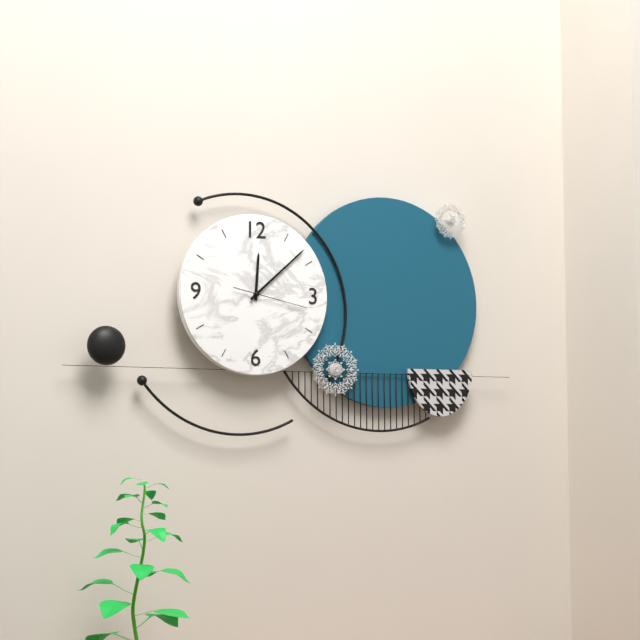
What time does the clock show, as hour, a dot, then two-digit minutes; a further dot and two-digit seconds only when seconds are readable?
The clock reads 12.08.17
